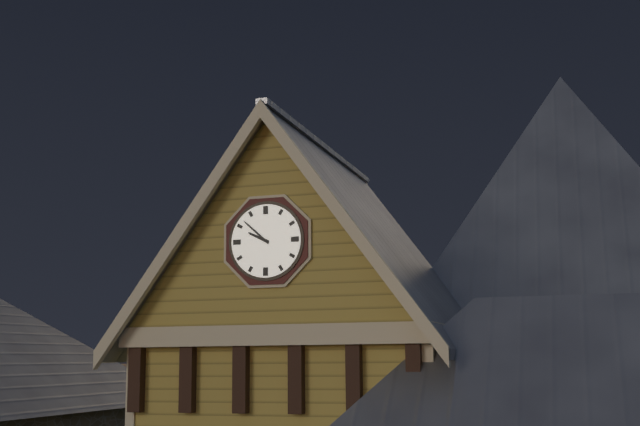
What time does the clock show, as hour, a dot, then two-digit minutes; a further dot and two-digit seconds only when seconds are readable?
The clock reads 9.52
